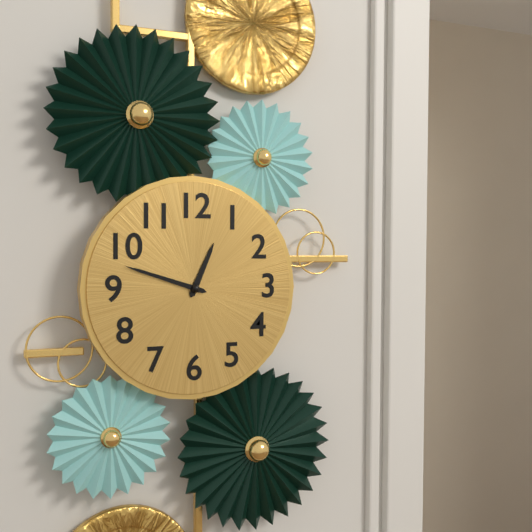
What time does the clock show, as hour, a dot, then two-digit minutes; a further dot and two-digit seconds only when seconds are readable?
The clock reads 12.48
